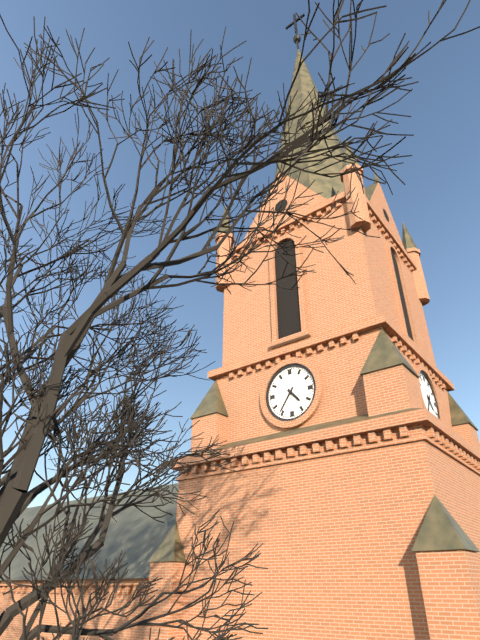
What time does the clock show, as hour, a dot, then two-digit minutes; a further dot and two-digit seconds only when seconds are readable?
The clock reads 4.36
